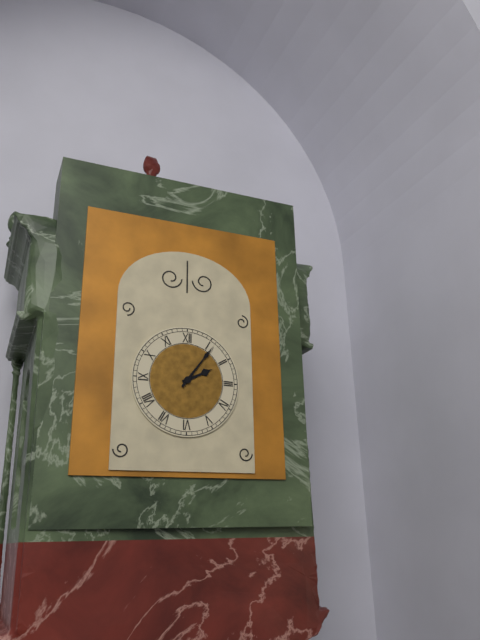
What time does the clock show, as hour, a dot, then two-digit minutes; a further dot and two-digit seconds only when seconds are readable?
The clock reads 2.06
